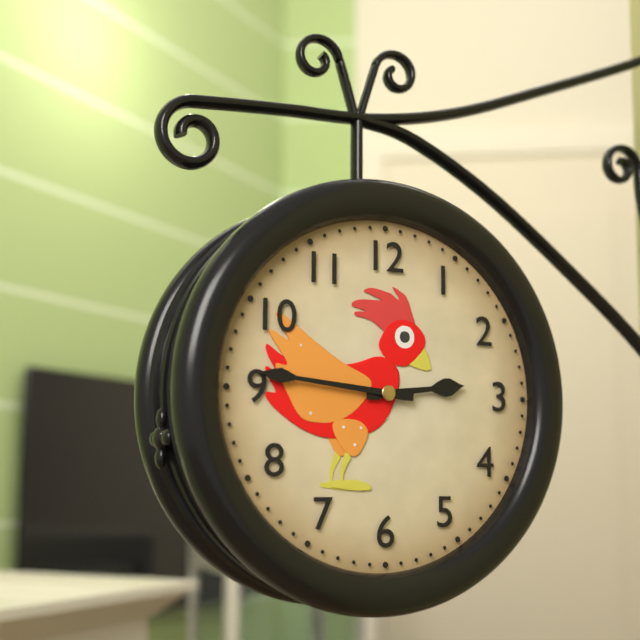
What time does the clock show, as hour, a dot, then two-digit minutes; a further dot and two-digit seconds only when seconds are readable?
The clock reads 2.46
